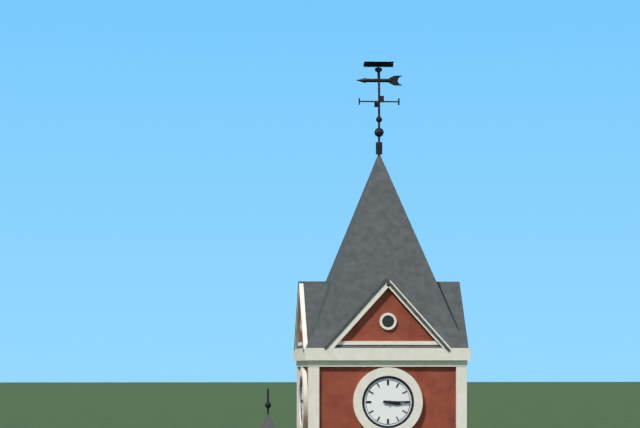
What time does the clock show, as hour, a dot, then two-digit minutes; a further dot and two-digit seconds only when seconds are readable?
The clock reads 3.15
